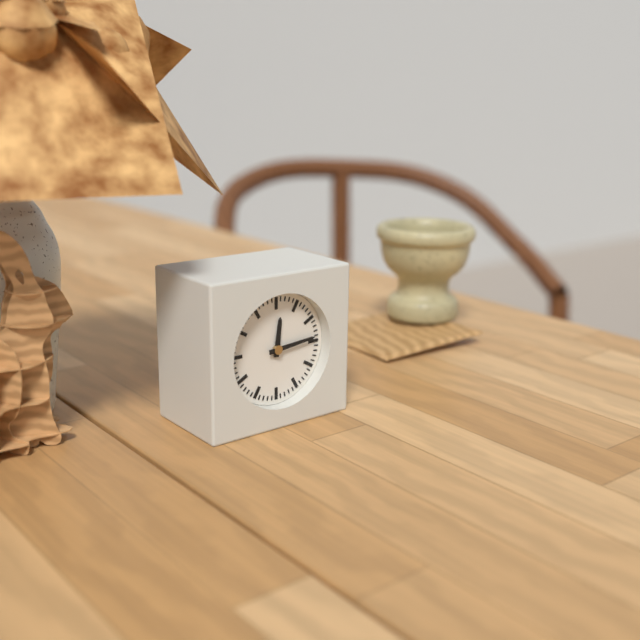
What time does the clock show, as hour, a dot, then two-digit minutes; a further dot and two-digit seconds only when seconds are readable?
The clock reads 12.14
